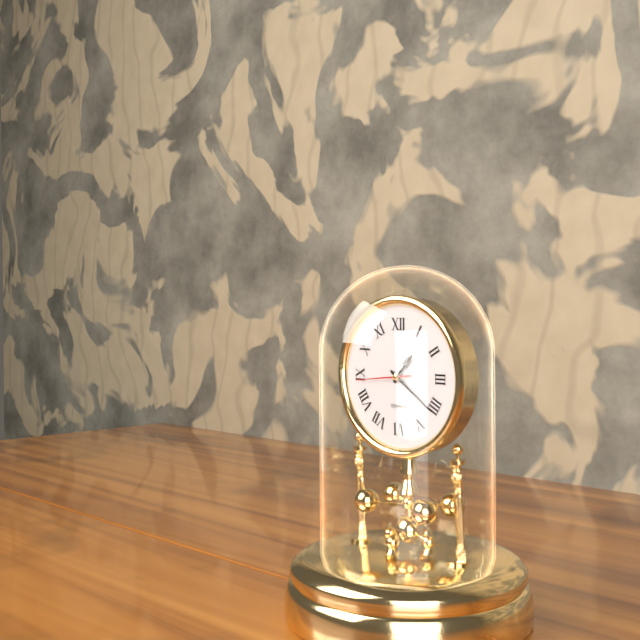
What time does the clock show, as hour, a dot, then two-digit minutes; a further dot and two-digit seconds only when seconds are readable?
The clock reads 1.21.44
